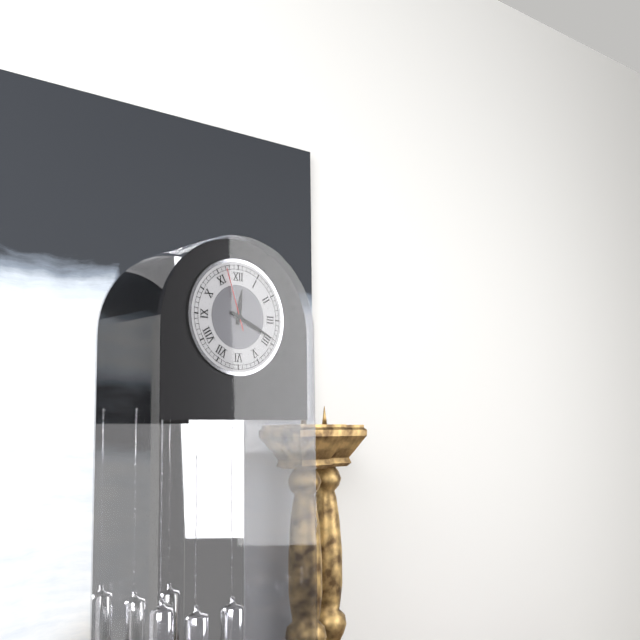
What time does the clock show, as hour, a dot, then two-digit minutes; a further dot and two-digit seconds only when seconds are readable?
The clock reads 12.19.57
